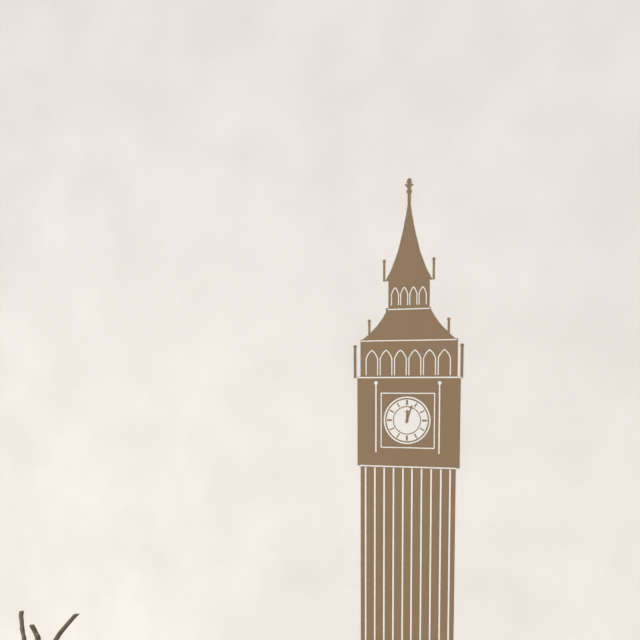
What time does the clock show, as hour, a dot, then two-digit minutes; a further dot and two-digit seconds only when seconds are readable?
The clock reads 12.03
